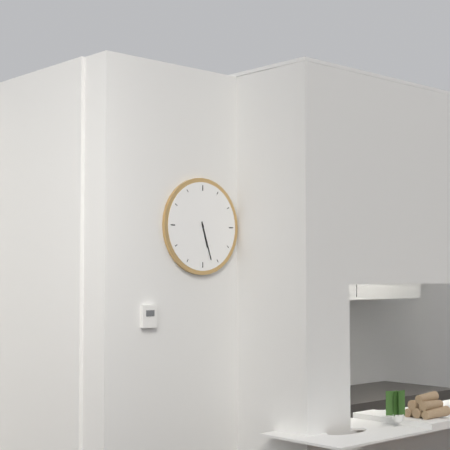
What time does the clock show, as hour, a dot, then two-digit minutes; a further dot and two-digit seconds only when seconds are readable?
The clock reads 5.27
